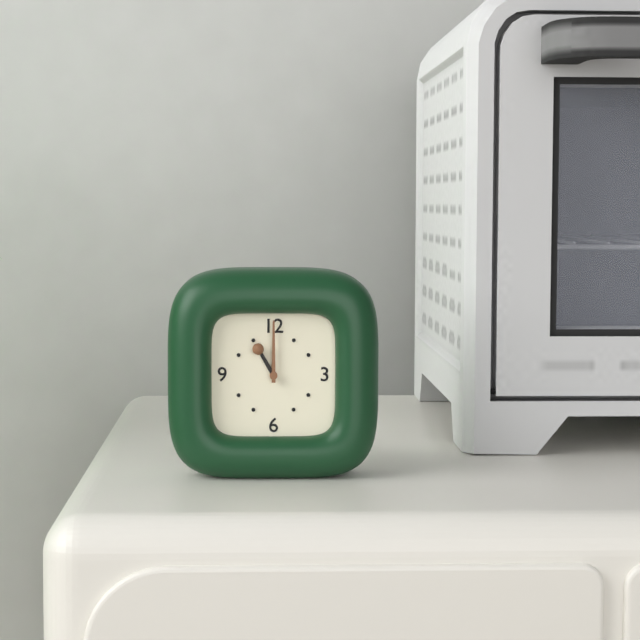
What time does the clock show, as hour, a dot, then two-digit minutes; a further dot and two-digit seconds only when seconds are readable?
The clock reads 11.00
